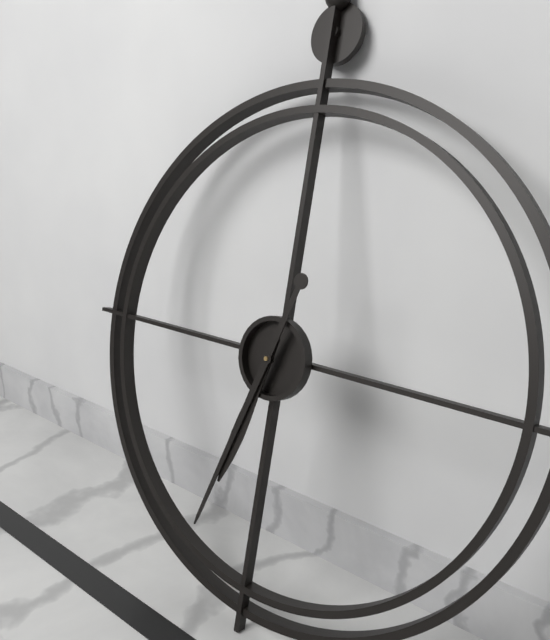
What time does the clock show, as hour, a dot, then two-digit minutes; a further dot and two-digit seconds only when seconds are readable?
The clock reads 6.33
